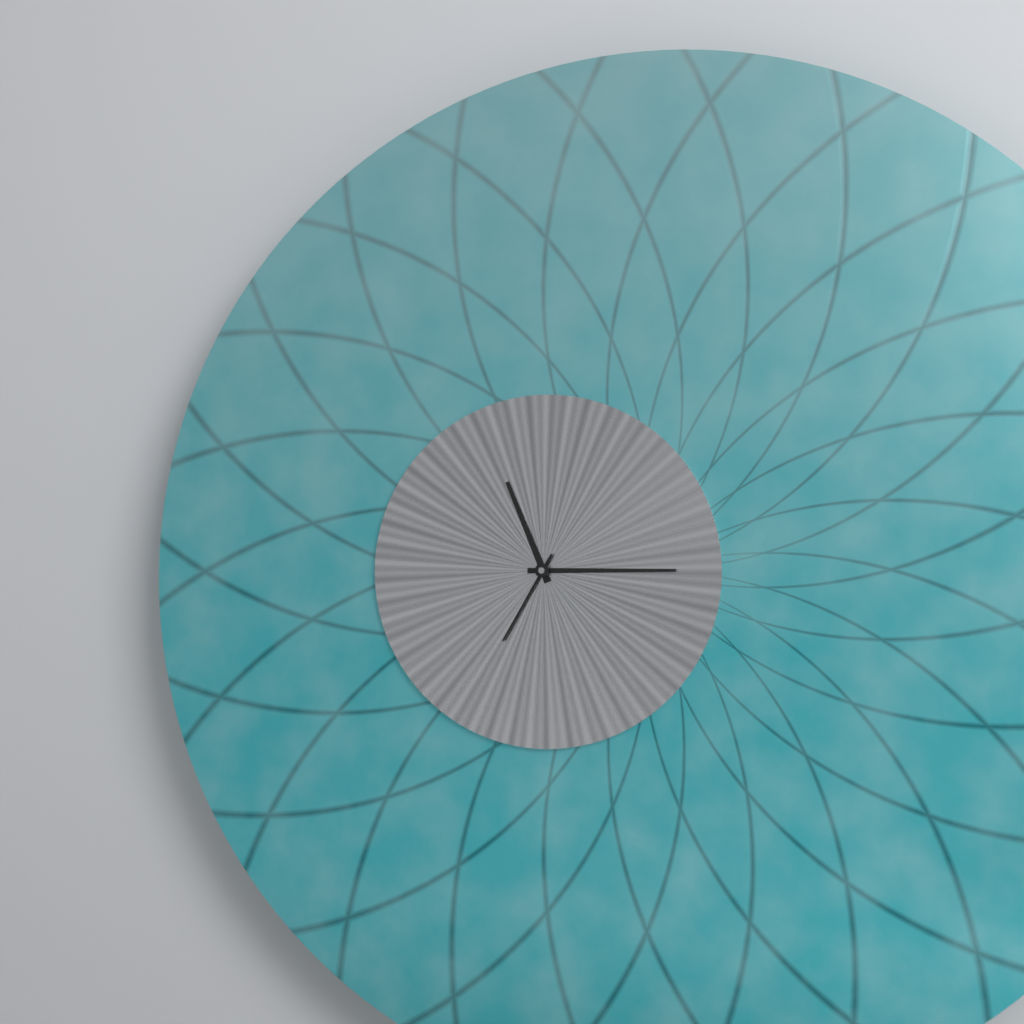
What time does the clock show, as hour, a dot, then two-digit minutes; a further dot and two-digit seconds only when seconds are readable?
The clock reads 11.15.35
